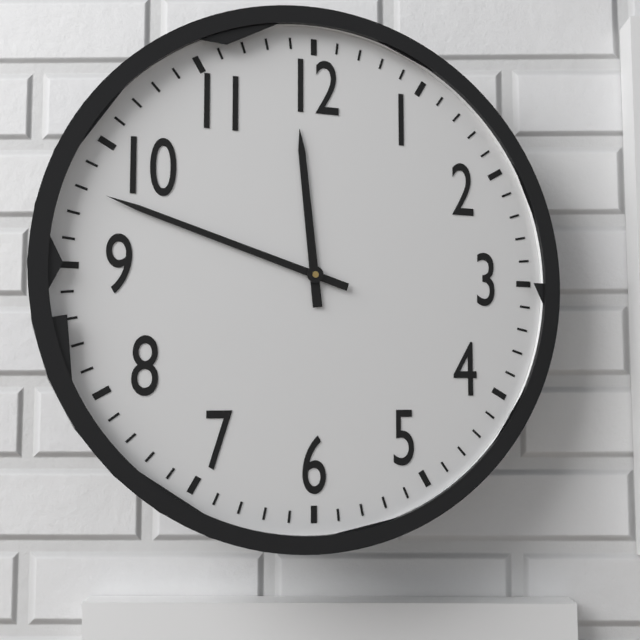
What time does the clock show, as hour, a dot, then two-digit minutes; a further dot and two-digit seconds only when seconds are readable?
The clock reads 11.48
